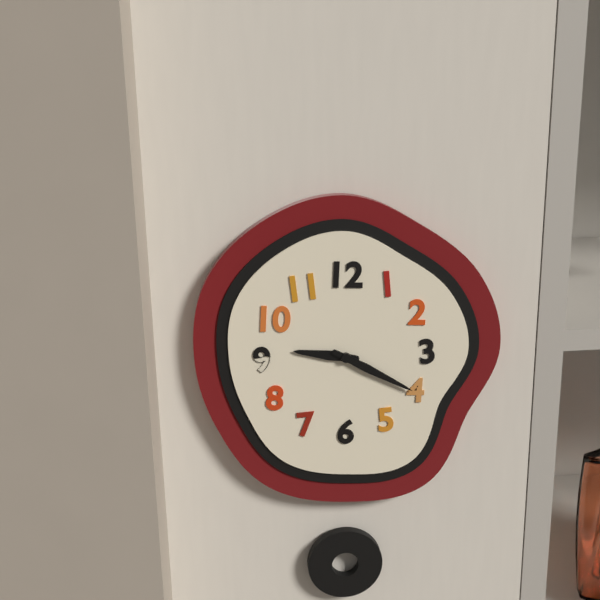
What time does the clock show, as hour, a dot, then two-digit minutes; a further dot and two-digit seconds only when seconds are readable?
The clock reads 9.20
